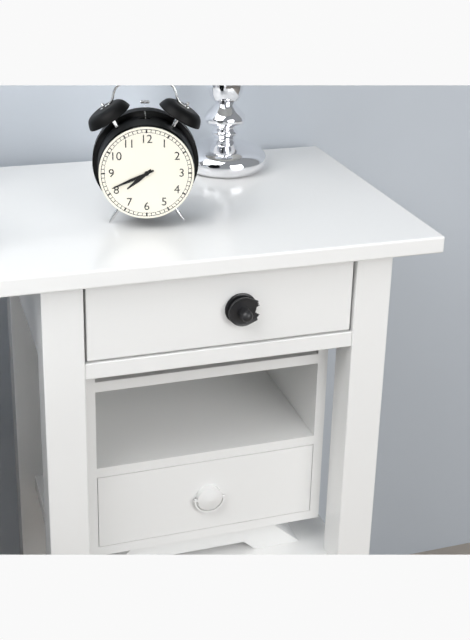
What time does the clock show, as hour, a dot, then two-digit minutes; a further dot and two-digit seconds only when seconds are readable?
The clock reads 7.41
